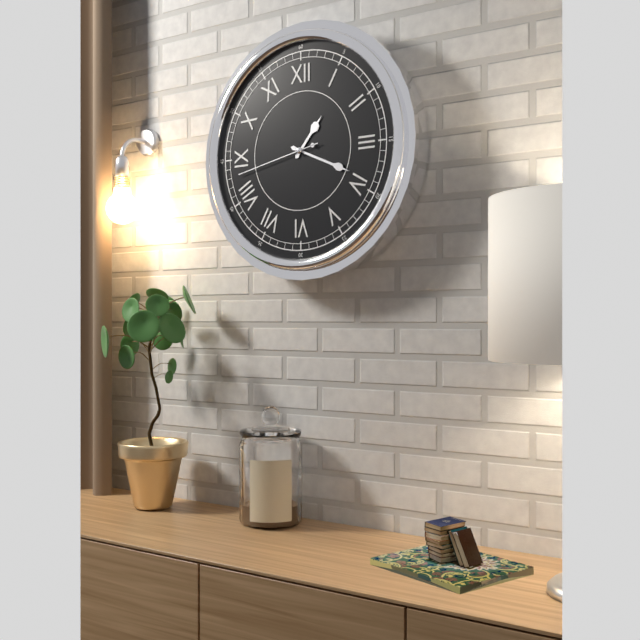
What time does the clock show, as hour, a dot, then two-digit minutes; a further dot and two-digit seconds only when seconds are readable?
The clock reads 1.19.43
